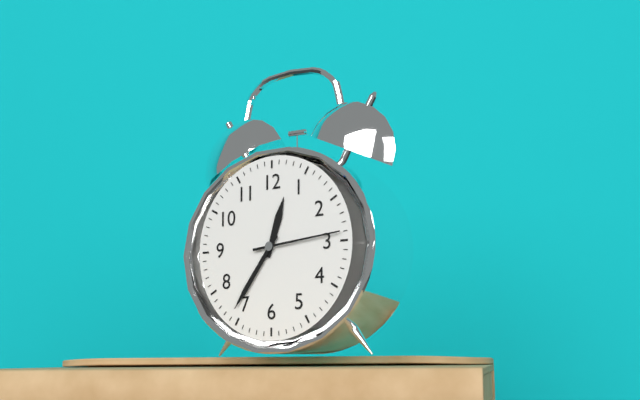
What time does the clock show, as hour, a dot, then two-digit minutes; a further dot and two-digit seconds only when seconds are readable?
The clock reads 12.36.14
